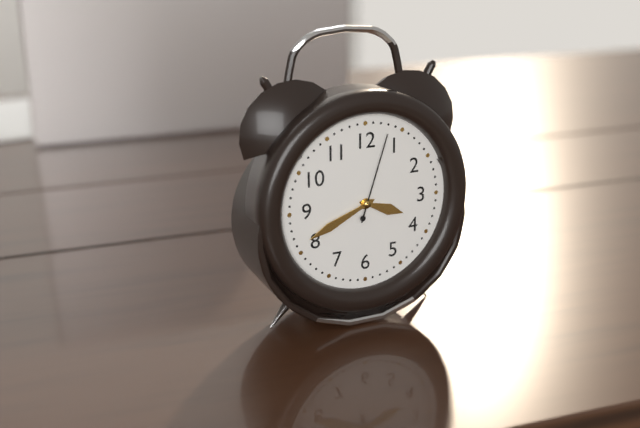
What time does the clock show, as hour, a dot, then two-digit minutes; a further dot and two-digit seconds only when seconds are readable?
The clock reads 3.41.03
